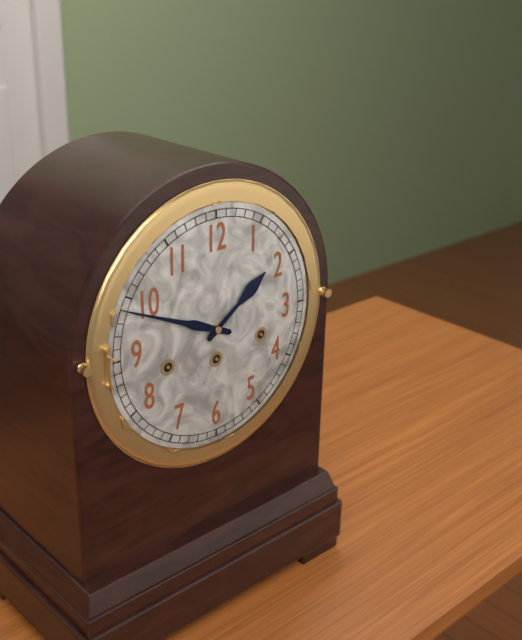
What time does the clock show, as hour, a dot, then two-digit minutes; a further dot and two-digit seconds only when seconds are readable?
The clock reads 1.49
